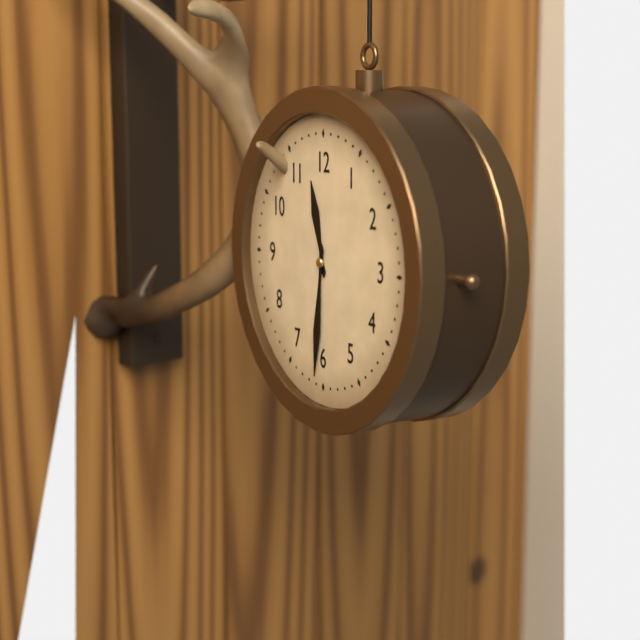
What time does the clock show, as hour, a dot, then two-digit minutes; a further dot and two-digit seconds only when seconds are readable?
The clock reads 11.31
